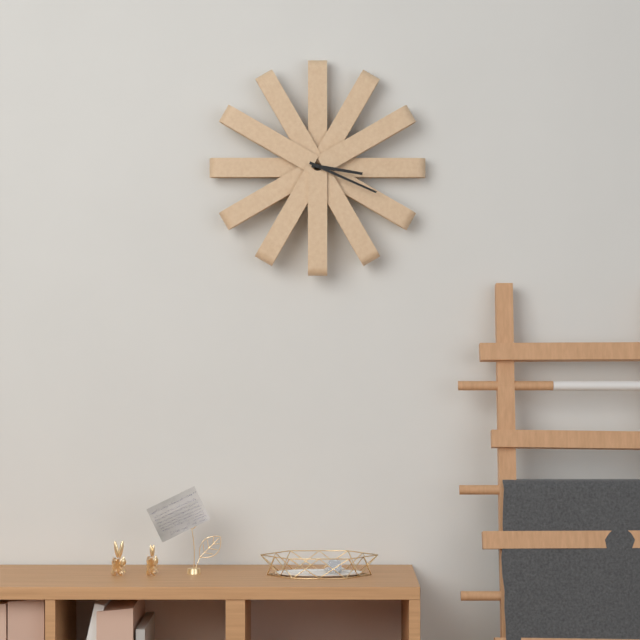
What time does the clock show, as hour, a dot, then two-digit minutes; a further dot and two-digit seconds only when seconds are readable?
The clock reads 3.19
